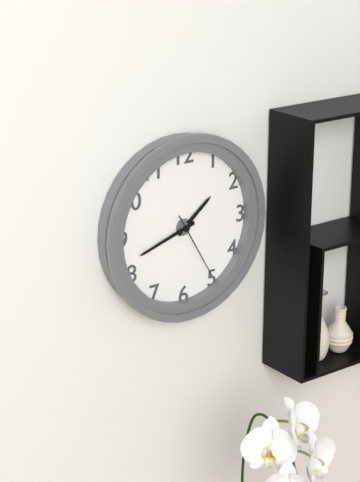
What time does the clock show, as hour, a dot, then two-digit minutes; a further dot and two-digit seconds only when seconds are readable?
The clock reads 1.42.25
